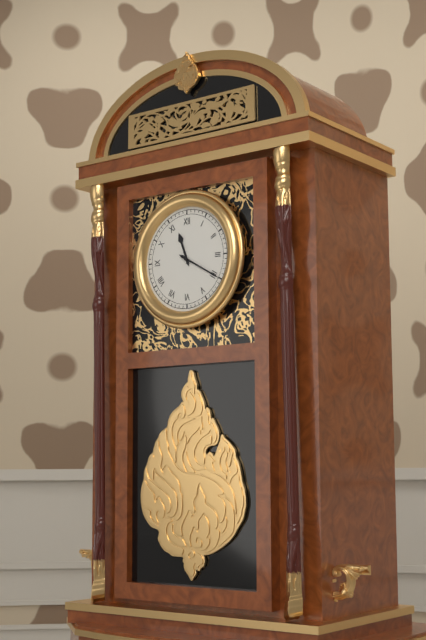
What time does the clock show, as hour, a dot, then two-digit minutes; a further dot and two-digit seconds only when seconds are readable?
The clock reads 11.20
